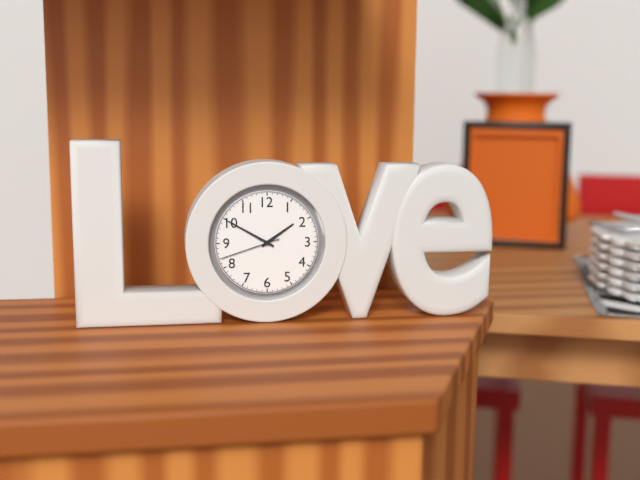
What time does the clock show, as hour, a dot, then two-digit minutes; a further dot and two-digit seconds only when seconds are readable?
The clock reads 1.50.42
